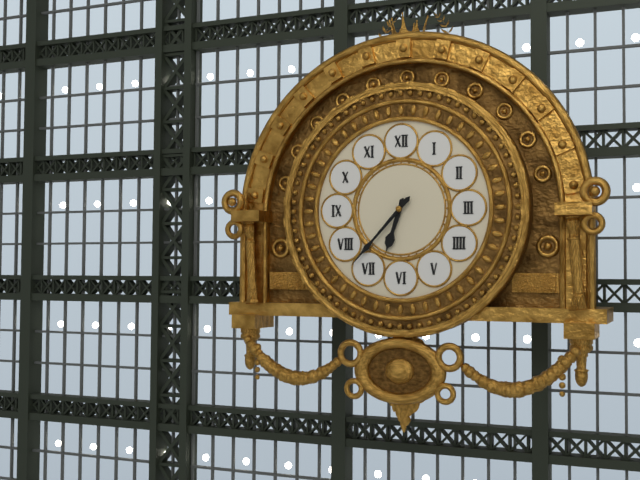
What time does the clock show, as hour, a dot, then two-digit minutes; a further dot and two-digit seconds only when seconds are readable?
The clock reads 6.37
